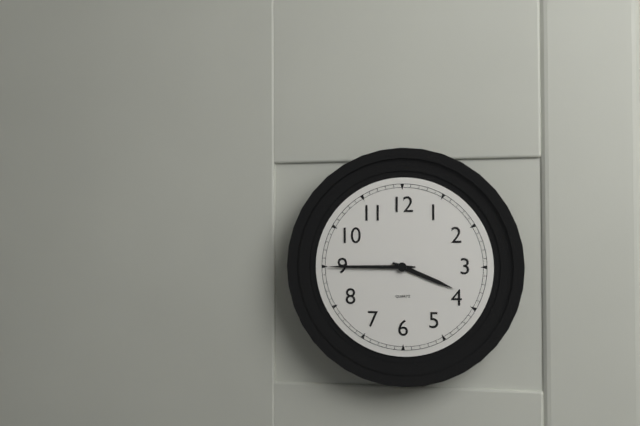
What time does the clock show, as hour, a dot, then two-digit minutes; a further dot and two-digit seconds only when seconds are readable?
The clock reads 3.45
